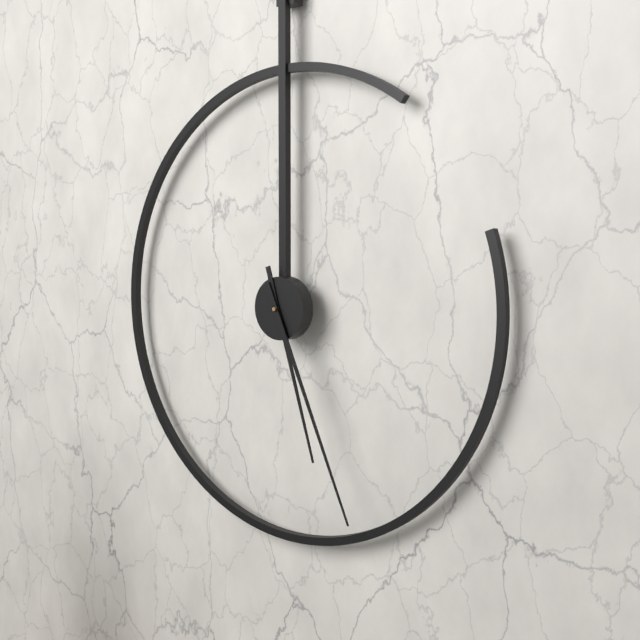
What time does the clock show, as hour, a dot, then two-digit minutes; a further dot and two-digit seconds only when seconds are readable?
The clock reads 5.26
